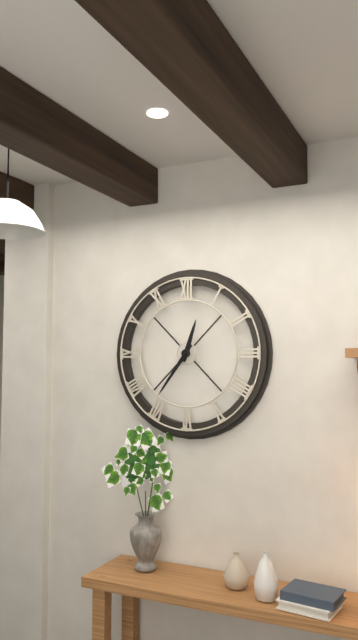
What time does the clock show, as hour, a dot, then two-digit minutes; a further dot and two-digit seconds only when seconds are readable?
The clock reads 12.36
